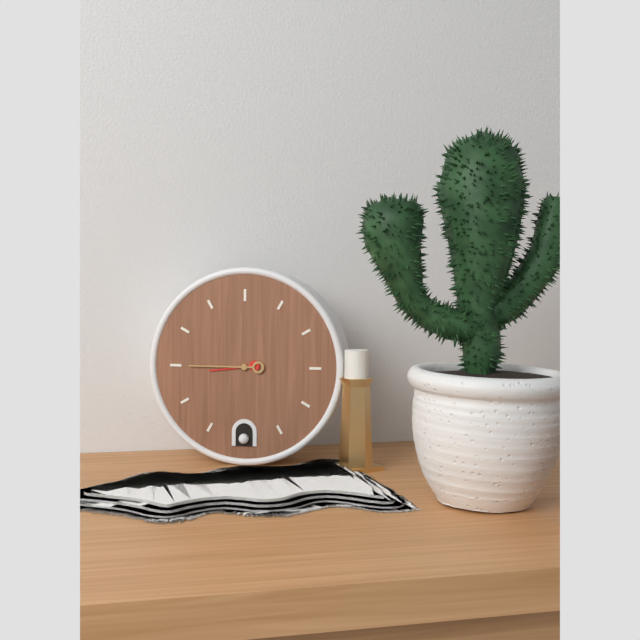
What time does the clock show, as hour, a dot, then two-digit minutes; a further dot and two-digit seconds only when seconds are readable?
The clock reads 8.45
